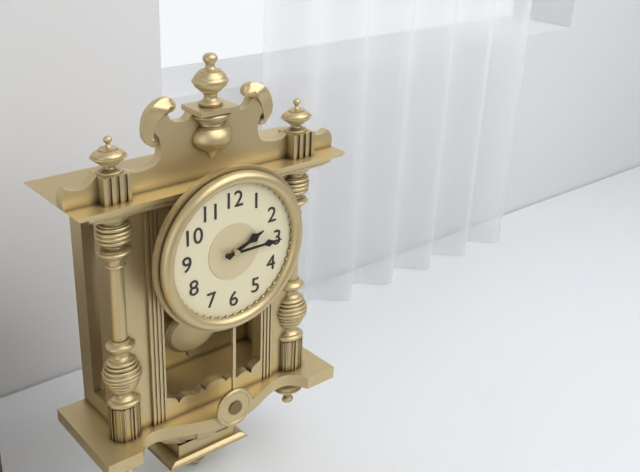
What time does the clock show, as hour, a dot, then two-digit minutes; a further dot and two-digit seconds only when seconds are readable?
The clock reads 2.15
